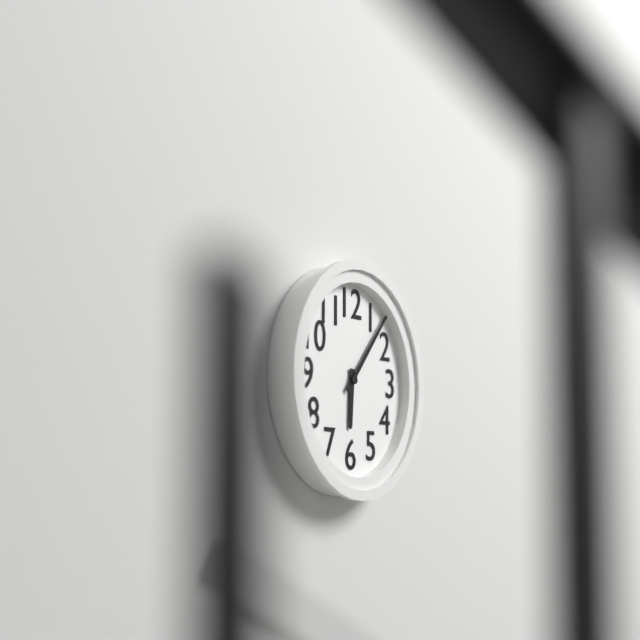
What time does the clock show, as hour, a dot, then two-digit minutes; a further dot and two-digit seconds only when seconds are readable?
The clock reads 6.07
